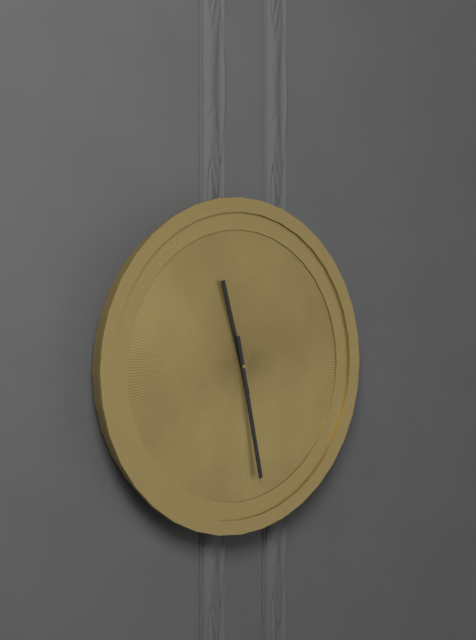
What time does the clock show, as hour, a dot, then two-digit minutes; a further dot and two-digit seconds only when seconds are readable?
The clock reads 11.28
